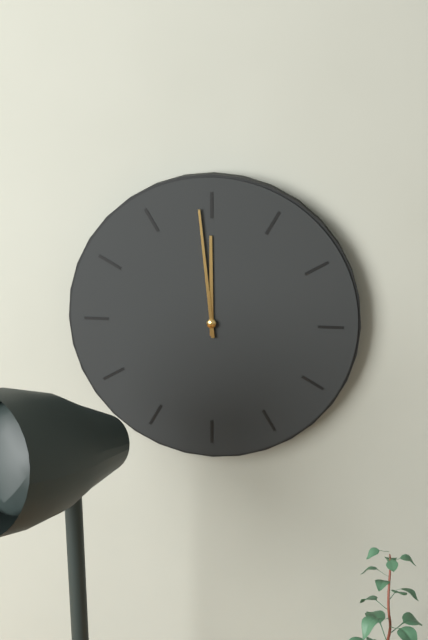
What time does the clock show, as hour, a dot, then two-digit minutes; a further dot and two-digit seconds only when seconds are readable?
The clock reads 11.59
